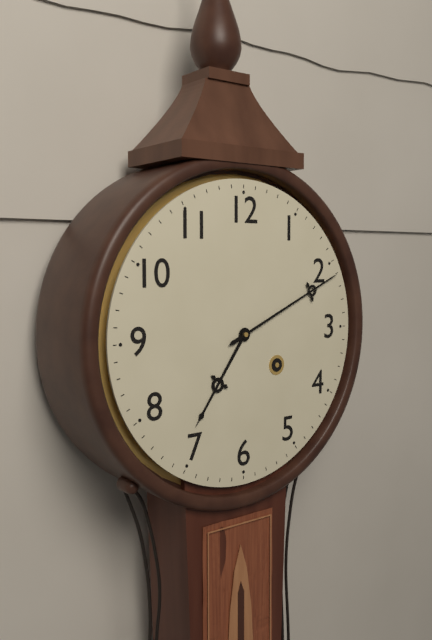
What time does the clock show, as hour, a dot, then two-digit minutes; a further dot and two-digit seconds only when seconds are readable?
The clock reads 7.11
